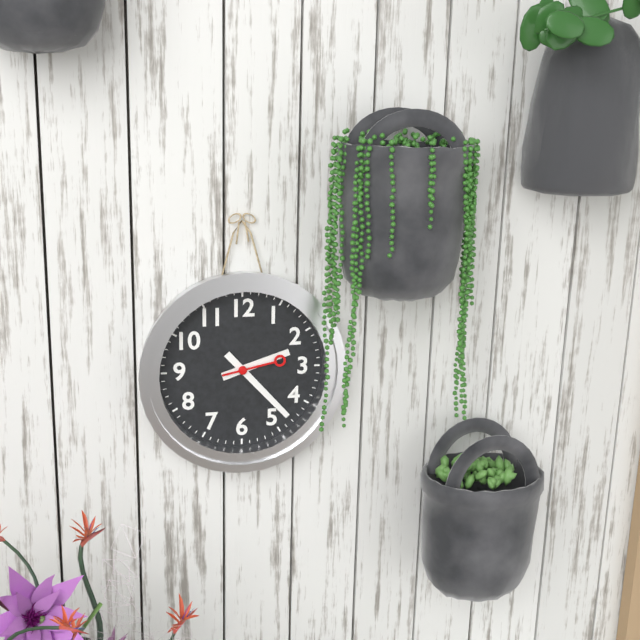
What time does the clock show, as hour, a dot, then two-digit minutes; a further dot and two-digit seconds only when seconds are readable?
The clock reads 2.23.13
